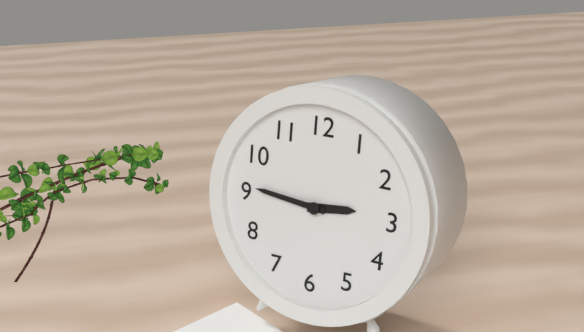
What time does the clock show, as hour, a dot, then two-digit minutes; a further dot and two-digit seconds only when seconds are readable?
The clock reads 2.46
